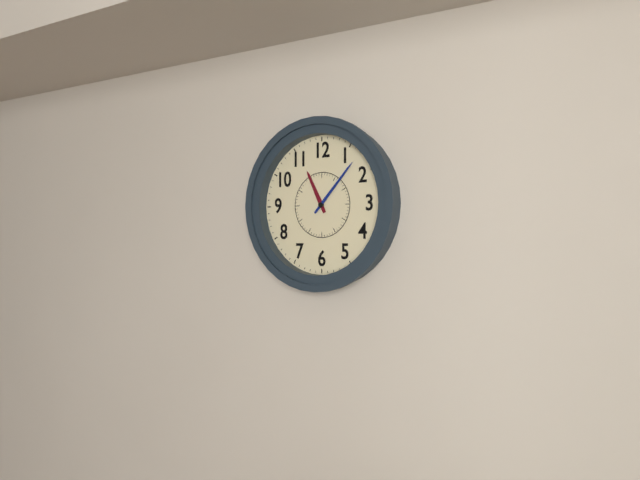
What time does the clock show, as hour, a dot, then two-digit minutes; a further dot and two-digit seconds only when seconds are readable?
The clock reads 11.07
